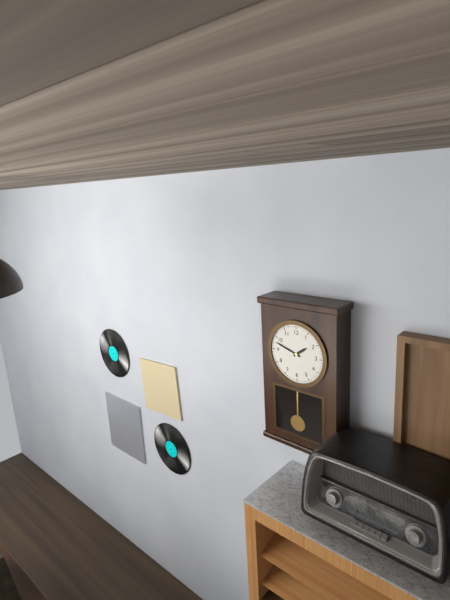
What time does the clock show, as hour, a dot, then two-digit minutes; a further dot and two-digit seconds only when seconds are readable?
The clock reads 1.48
